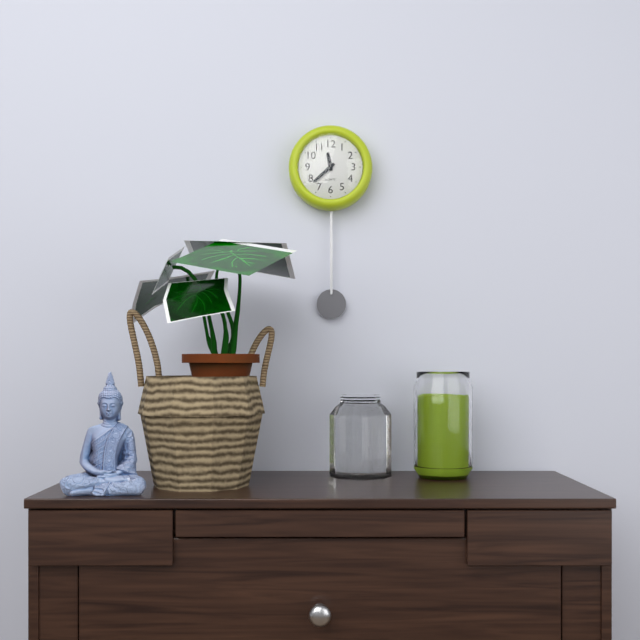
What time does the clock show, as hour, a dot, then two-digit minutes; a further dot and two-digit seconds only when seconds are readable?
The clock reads 11.38
